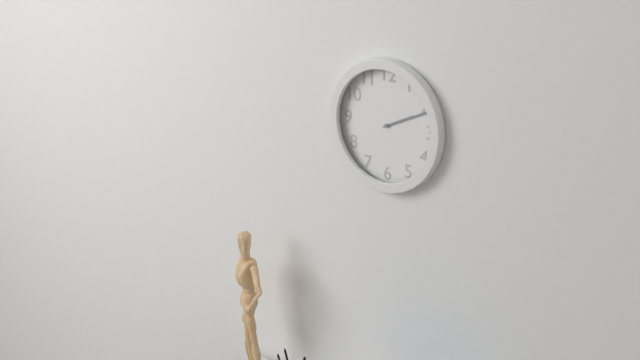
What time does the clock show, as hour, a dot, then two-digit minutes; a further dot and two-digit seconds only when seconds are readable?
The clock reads 2.11
